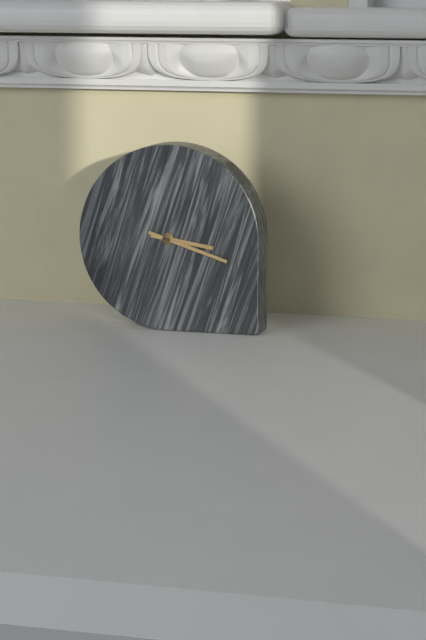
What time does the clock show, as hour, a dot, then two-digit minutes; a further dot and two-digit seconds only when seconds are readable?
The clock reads 3.18
